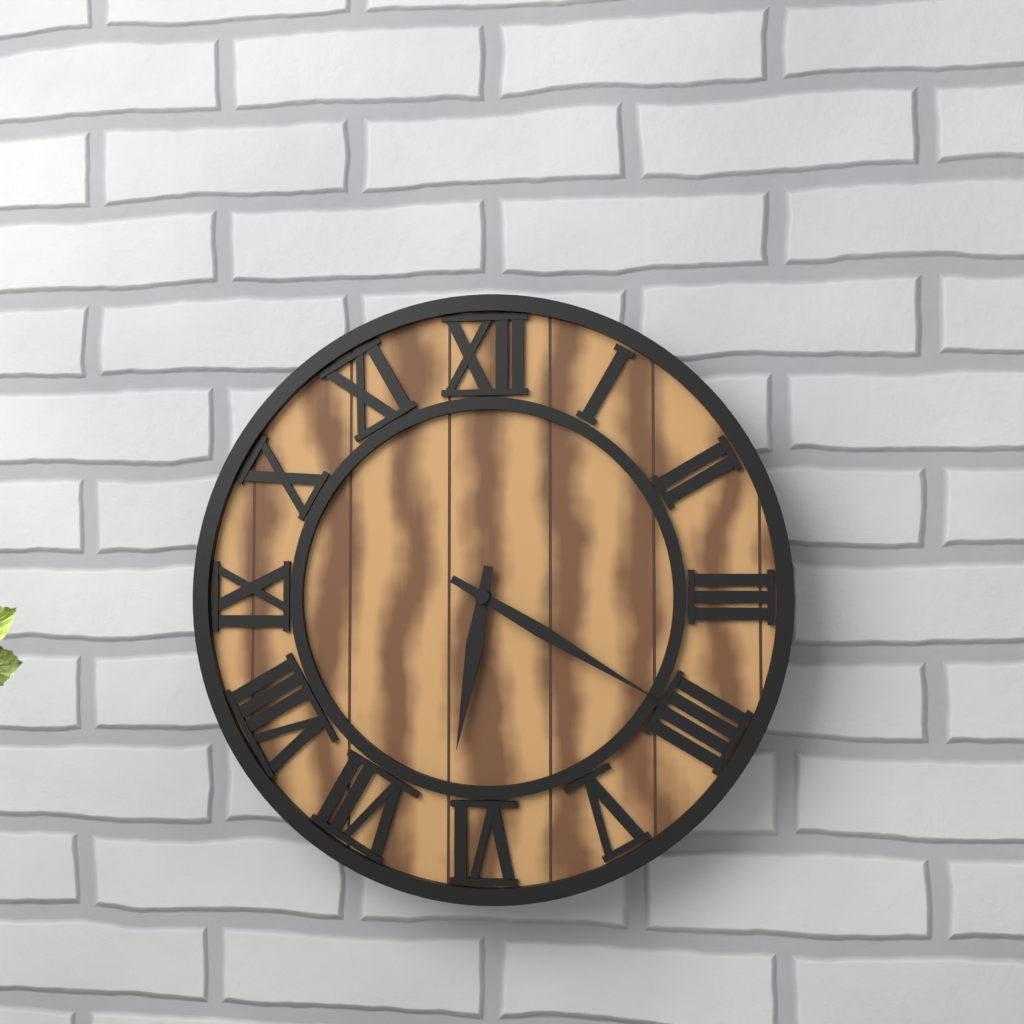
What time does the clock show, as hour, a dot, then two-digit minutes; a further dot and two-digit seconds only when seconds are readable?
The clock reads 6.20
